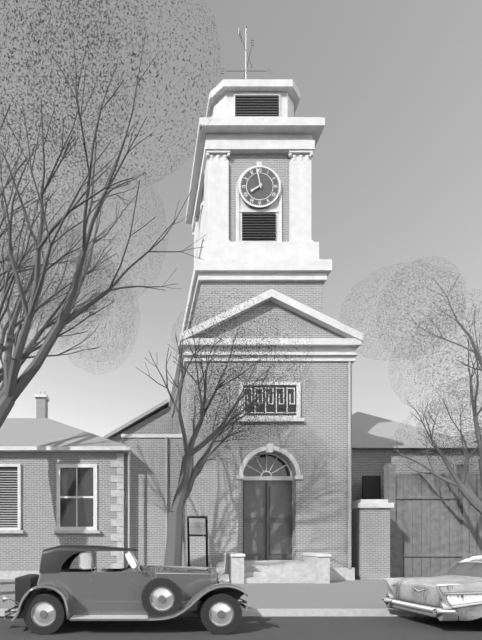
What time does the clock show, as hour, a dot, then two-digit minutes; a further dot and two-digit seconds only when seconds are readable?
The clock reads 7.58
